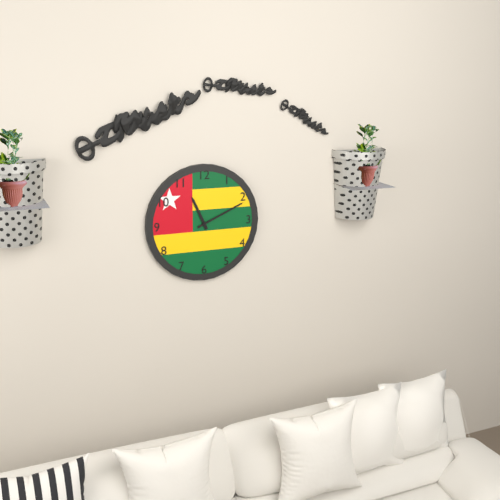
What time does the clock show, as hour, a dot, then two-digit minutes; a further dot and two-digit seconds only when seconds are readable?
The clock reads 11.11
